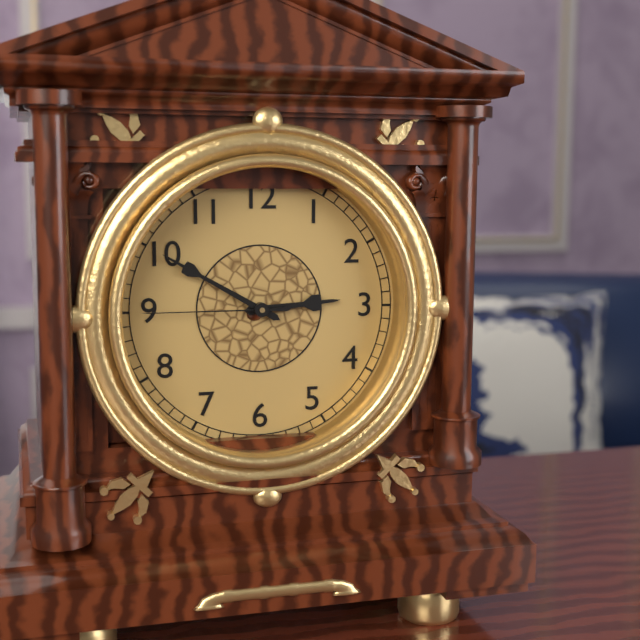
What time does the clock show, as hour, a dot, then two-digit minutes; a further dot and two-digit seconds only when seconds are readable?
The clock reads 2.50.45
